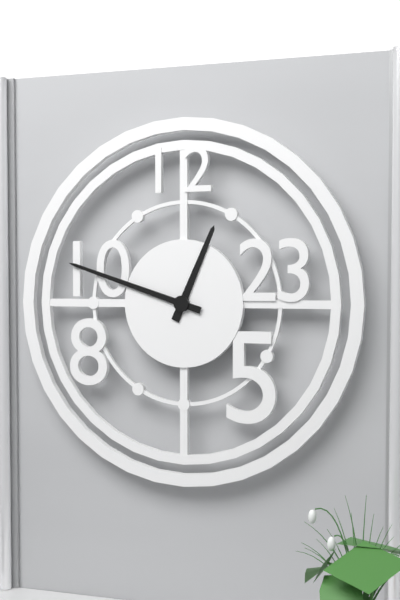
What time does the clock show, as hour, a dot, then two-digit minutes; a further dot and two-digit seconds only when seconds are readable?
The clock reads 12.48
